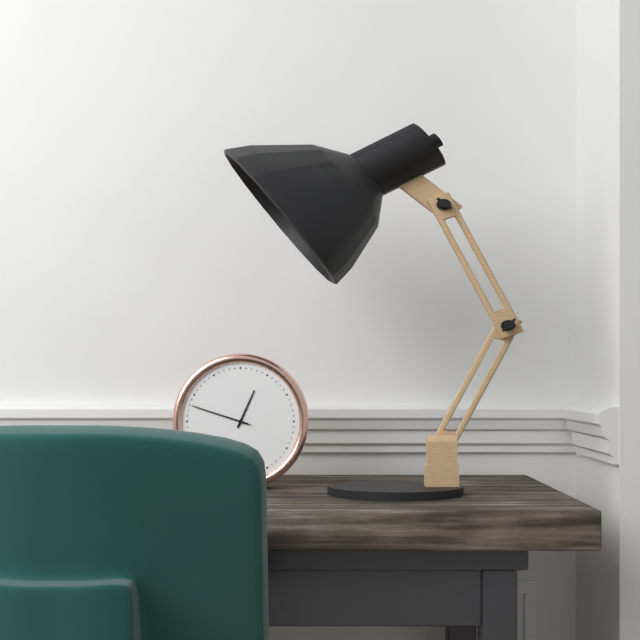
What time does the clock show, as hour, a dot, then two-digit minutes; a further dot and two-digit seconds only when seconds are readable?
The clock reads 12.48.48
